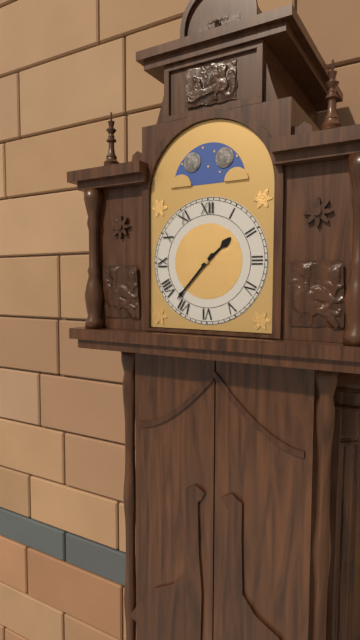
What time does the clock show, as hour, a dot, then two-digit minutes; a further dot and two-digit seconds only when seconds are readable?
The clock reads 1.37
